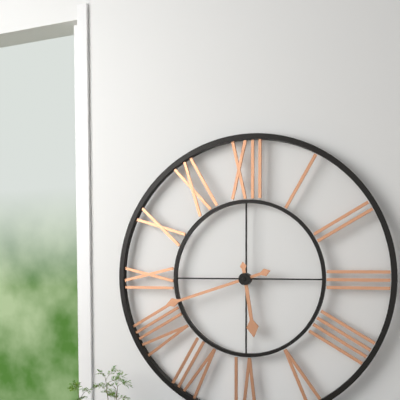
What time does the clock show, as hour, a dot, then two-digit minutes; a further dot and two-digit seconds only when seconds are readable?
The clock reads 5.42
